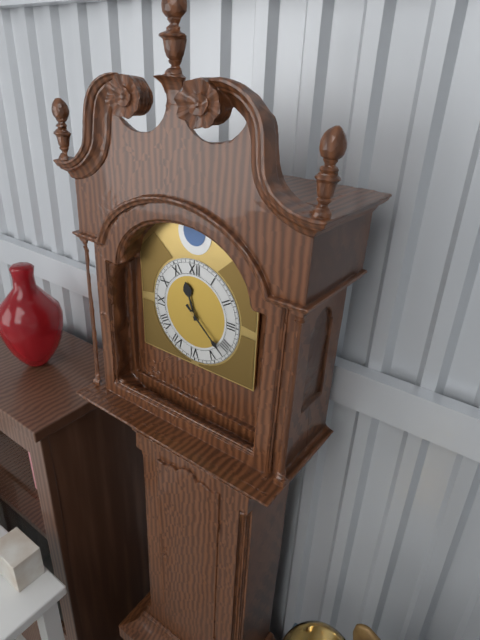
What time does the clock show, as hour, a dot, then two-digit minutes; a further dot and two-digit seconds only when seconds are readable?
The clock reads 11.22
